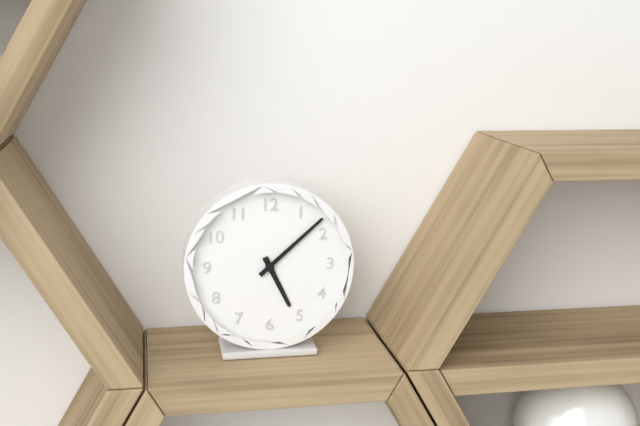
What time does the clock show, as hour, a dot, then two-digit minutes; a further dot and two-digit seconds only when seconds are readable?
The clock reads 5.08
